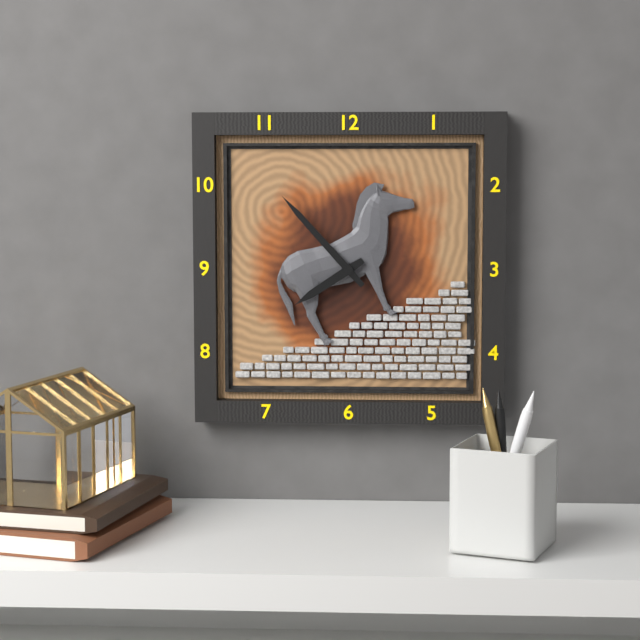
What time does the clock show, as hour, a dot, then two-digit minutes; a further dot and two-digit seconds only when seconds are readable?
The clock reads 7.53
